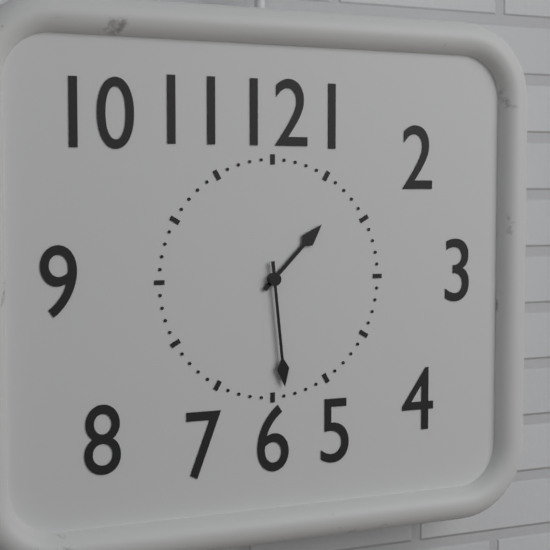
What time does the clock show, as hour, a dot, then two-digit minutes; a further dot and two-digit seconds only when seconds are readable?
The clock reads 1.29
